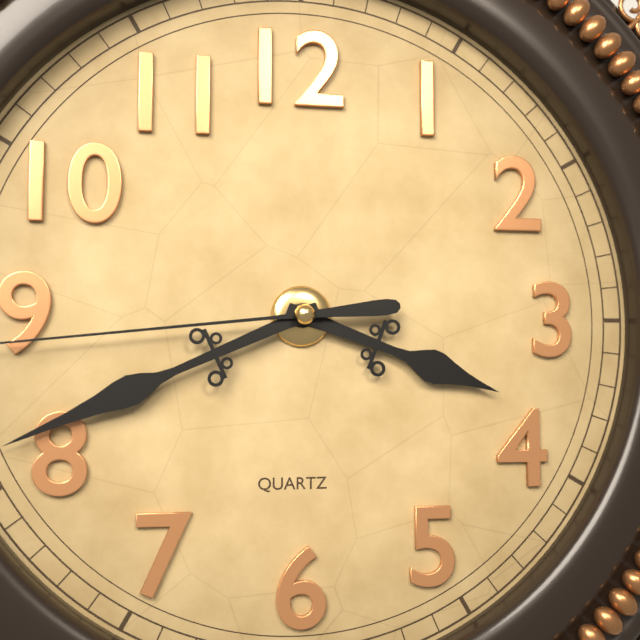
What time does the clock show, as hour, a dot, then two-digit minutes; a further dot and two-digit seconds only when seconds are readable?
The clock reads 3.41
